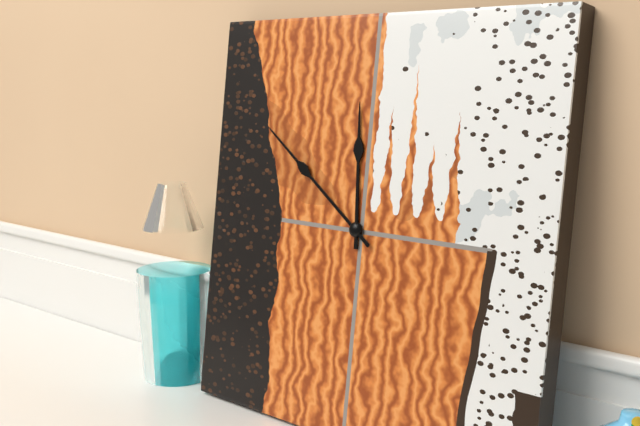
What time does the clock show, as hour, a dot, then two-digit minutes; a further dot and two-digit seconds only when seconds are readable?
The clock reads 11.51
